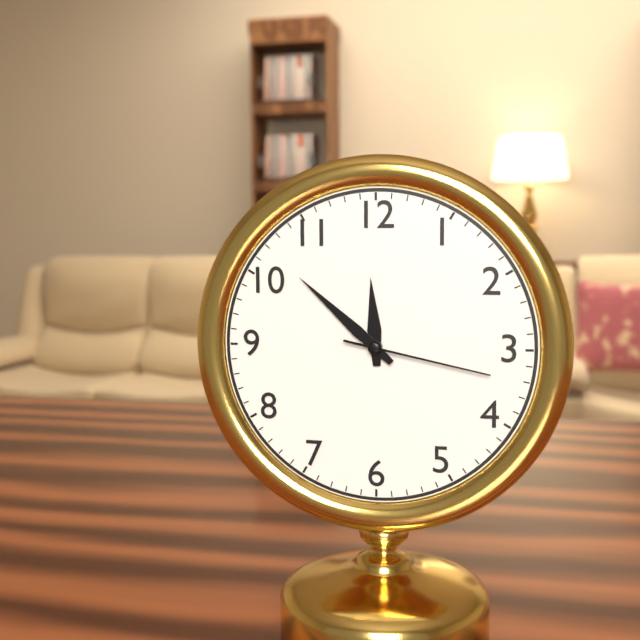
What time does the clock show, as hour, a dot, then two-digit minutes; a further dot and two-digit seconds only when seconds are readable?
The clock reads 11.52.17
